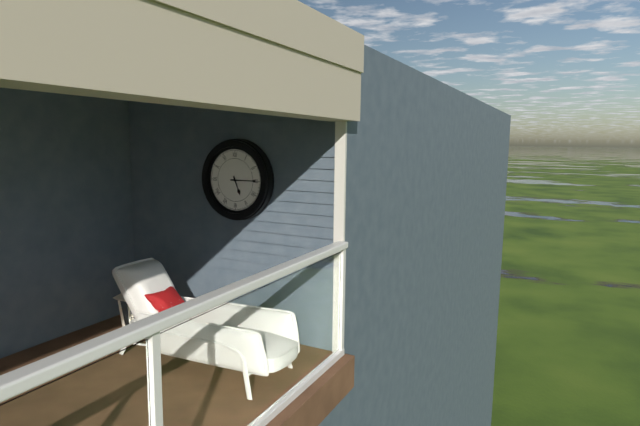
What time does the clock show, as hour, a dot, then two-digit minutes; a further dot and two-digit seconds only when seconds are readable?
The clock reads 5.15
